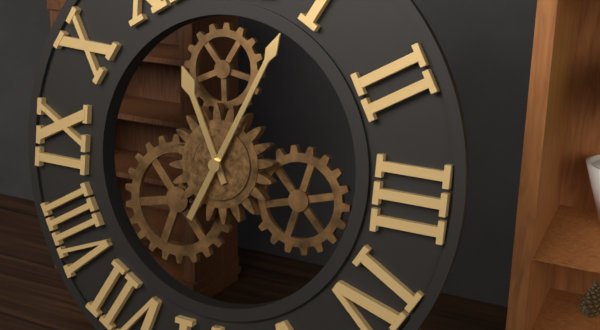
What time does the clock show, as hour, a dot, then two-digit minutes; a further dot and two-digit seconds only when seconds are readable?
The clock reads 11.04
